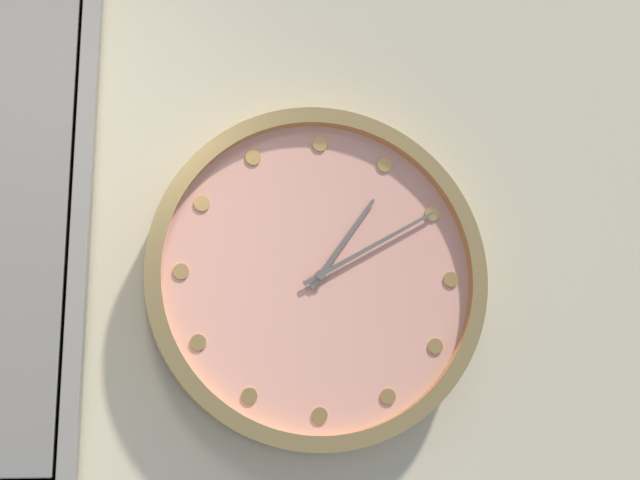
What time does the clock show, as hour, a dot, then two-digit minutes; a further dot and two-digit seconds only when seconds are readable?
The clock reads 1.10
